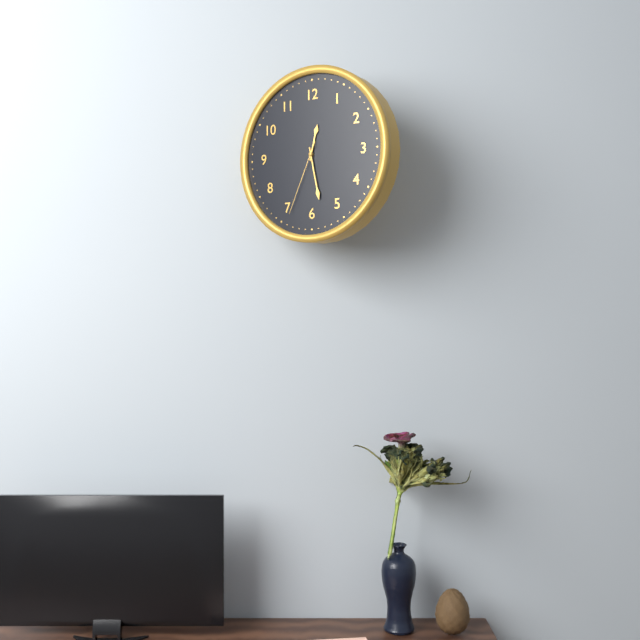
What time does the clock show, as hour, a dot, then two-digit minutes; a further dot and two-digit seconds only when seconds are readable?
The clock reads 12.28.34
